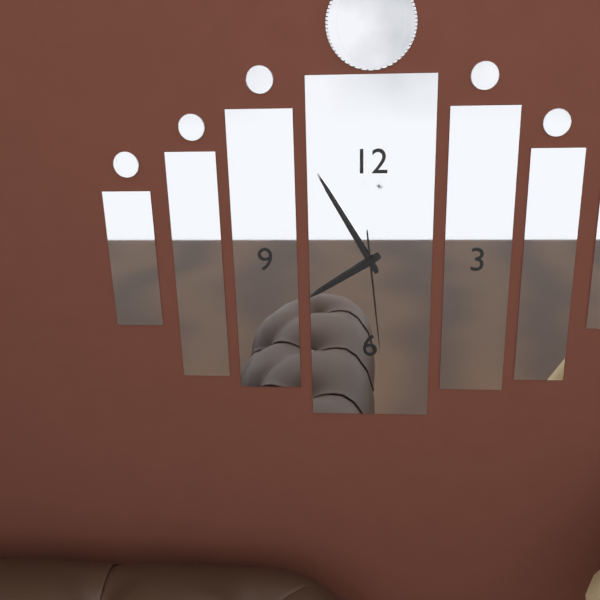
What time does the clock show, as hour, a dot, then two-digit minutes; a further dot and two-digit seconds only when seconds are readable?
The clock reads 7.55.29
